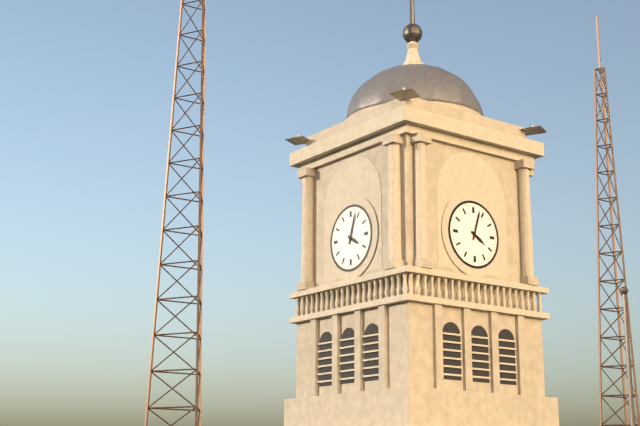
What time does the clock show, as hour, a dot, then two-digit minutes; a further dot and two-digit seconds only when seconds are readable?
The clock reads 4.03
